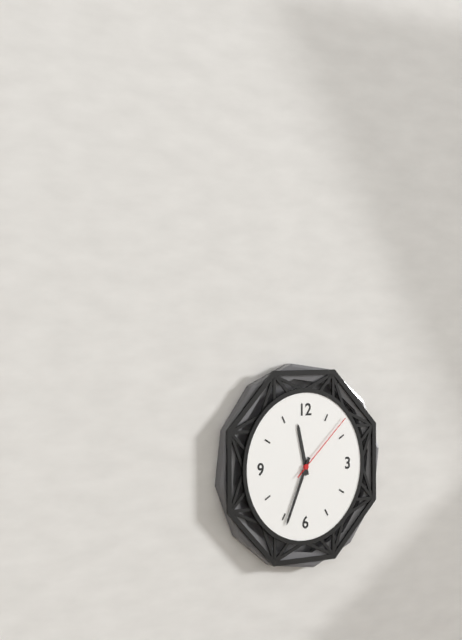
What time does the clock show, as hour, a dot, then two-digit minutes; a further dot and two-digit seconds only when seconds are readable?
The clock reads 11.34.08
